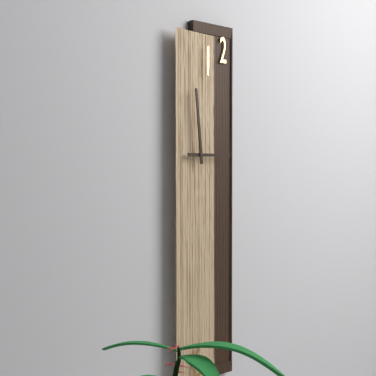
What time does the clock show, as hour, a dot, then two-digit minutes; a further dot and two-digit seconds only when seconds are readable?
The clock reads 2.59
